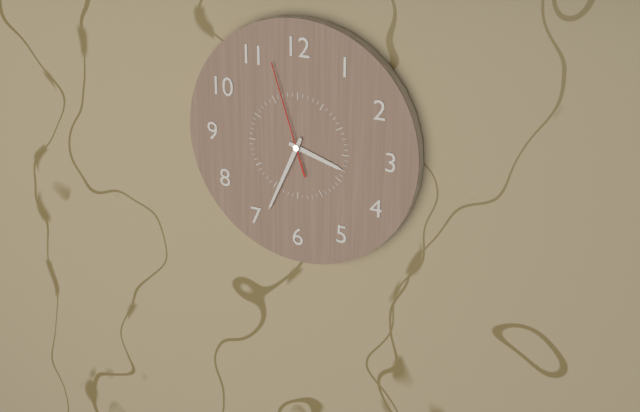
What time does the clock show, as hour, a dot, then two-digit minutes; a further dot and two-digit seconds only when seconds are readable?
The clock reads 3.34.57
